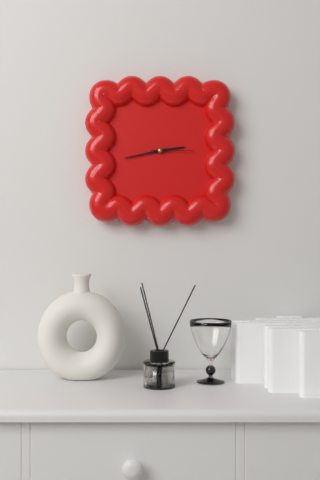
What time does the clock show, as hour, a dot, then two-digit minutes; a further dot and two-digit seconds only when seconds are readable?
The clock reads 2.43
